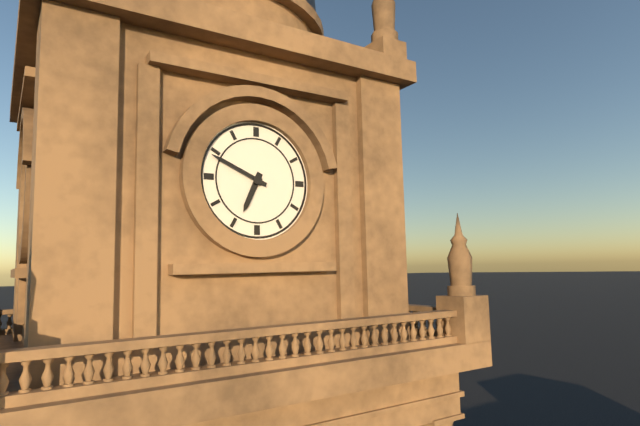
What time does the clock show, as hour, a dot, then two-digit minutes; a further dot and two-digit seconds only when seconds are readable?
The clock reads 6.49
